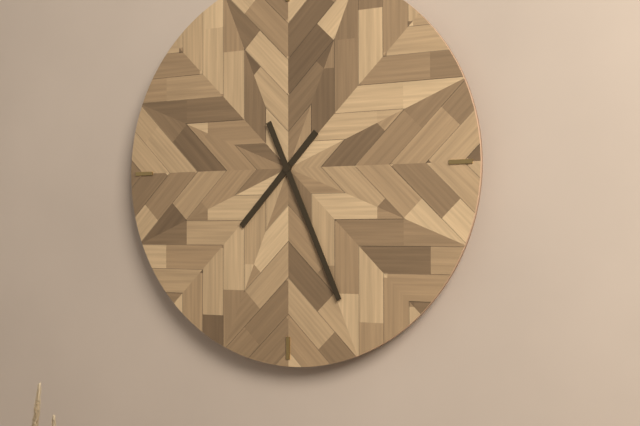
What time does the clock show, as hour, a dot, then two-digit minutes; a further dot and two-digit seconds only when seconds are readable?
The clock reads 7.26
